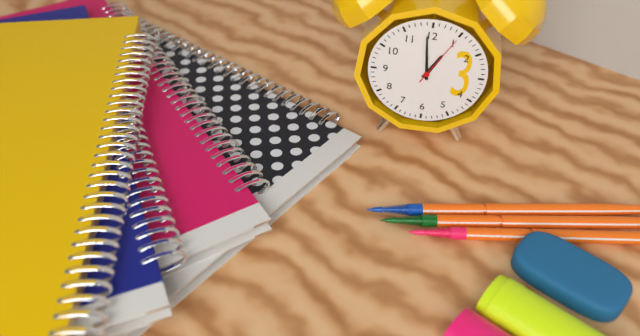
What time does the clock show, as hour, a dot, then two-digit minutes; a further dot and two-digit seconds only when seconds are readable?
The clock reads 12.59.05
